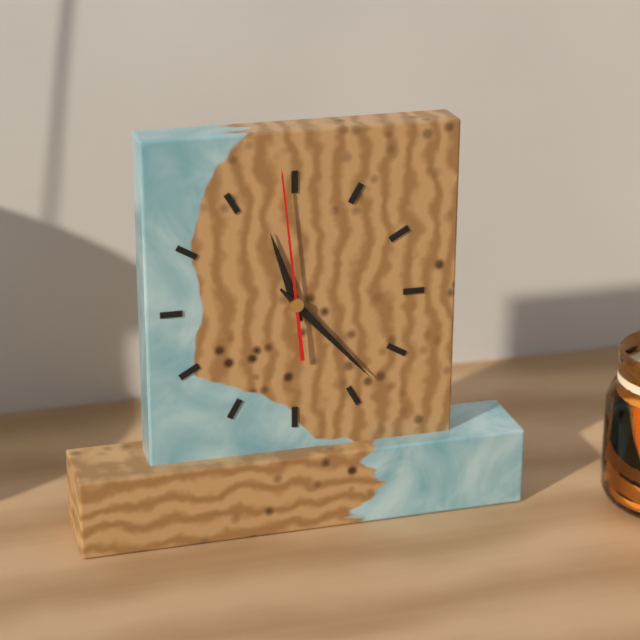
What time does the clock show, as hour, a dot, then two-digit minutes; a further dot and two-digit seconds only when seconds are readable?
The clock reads 11.23.59
